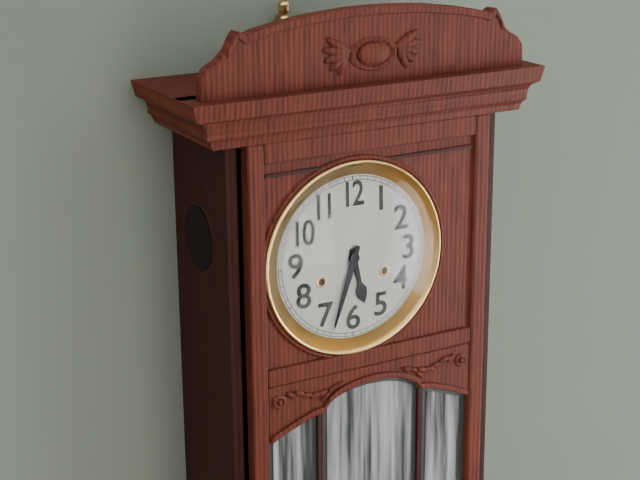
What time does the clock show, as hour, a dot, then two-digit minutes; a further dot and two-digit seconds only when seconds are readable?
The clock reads 5.33
